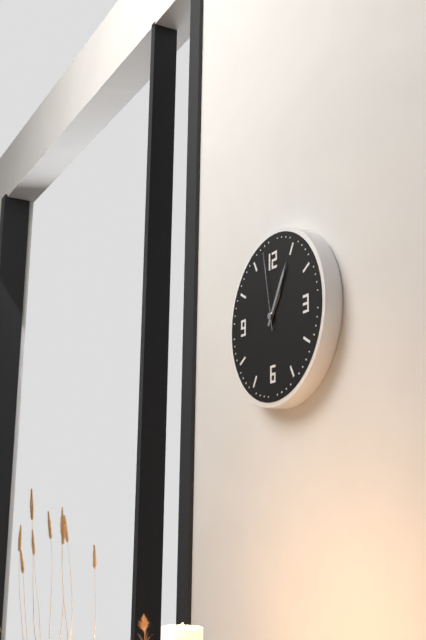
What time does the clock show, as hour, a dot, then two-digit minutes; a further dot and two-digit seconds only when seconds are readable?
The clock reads 1.05.58
